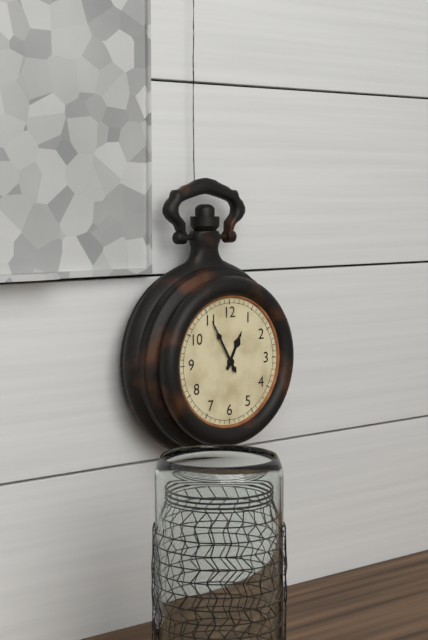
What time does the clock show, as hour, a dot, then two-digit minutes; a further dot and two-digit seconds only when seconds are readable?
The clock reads 12.55
